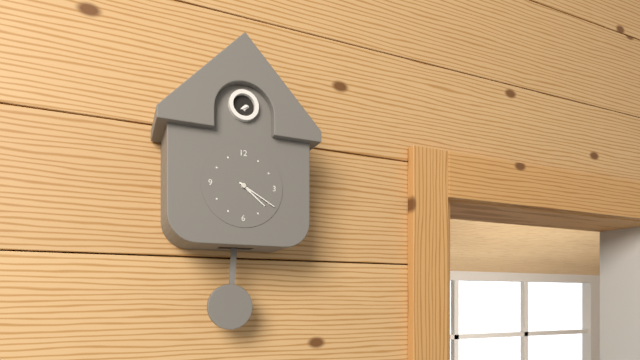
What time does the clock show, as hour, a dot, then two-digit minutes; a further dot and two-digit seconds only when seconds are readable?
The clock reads 4.20
